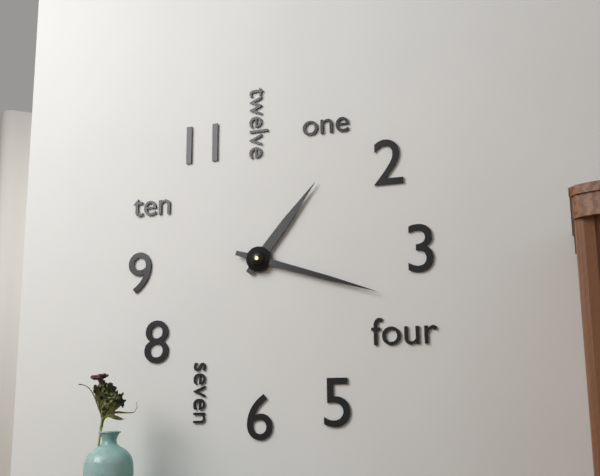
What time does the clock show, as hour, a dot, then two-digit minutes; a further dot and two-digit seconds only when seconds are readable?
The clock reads 1.18
